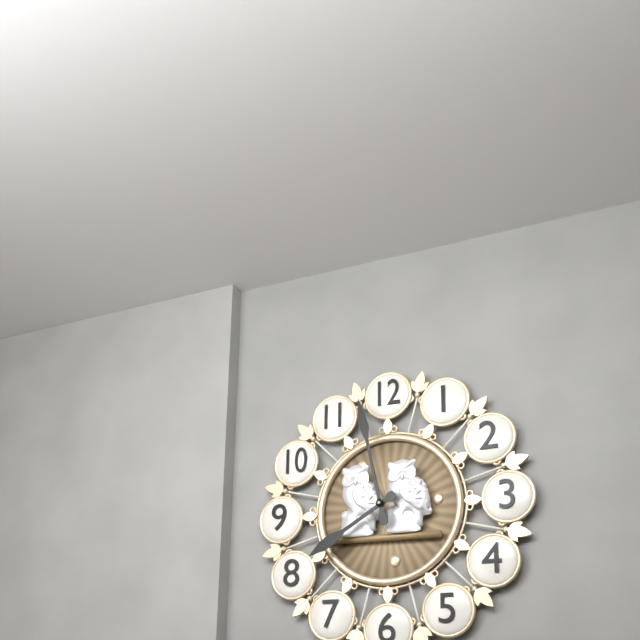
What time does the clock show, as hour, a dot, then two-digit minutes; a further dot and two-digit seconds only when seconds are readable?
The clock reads 7.58
